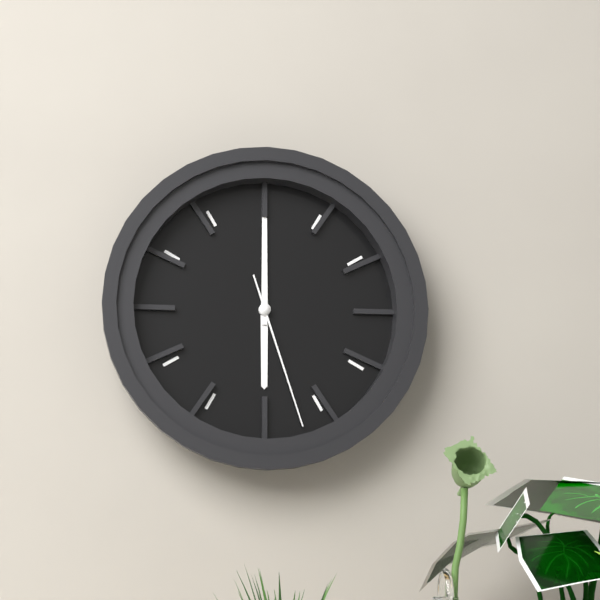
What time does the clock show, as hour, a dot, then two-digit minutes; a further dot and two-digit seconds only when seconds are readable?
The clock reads 6.00.27
